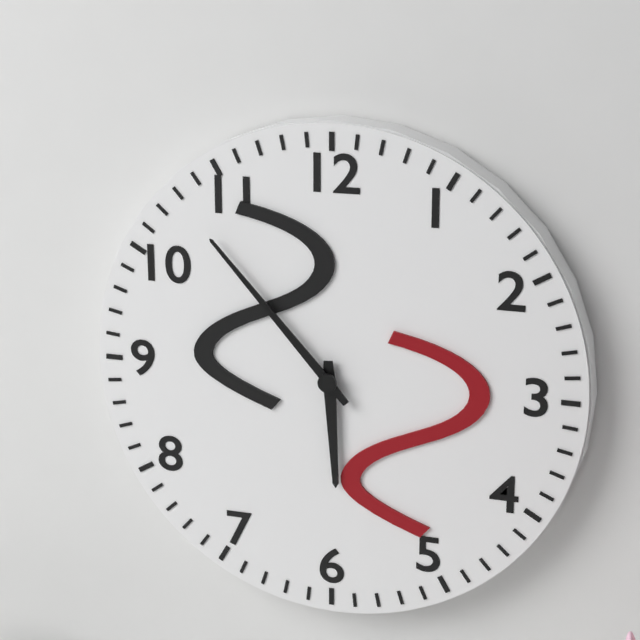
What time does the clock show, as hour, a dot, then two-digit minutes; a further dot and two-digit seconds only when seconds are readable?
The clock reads 5.53
